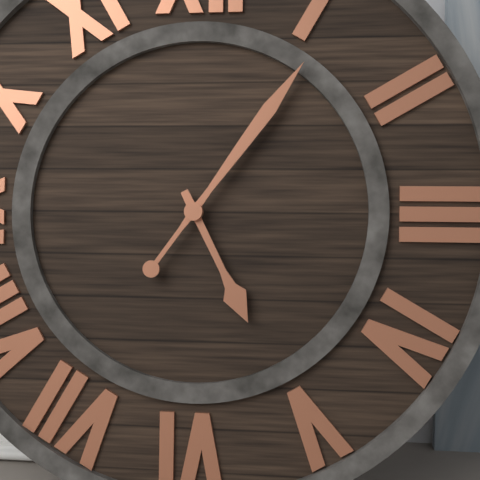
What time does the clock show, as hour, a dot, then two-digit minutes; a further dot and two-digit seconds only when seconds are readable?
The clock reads 5.06
